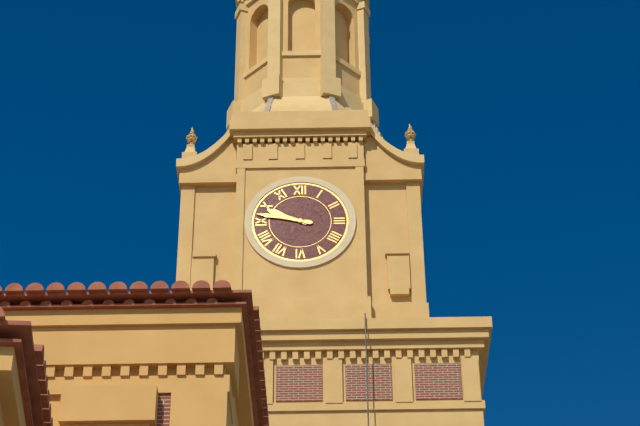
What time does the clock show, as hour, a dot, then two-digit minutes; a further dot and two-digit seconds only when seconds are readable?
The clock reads 9.47
